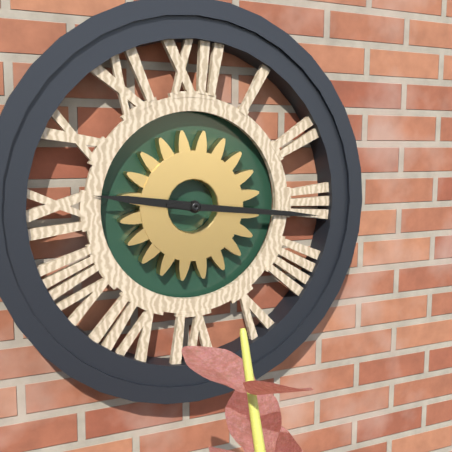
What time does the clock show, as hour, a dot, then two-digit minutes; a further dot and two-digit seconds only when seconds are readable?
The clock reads 9.16
